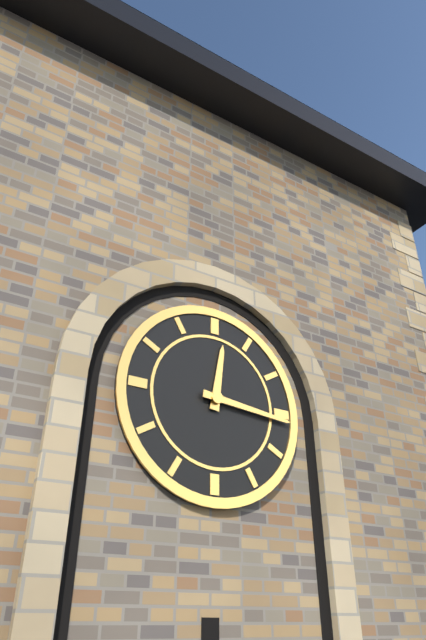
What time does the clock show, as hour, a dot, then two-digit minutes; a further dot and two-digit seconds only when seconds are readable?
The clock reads 12.16
